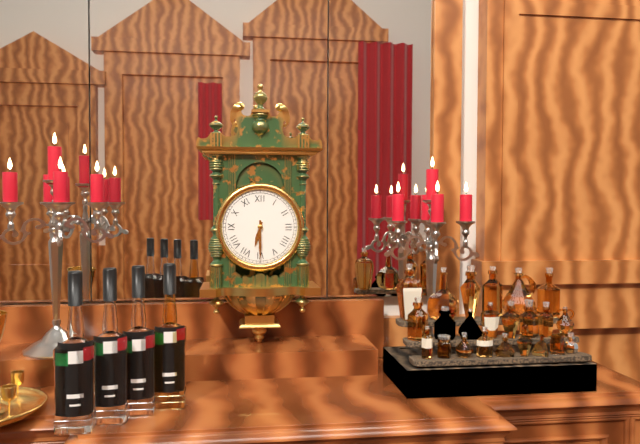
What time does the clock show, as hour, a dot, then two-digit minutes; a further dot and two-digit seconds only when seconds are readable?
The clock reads 6.30
